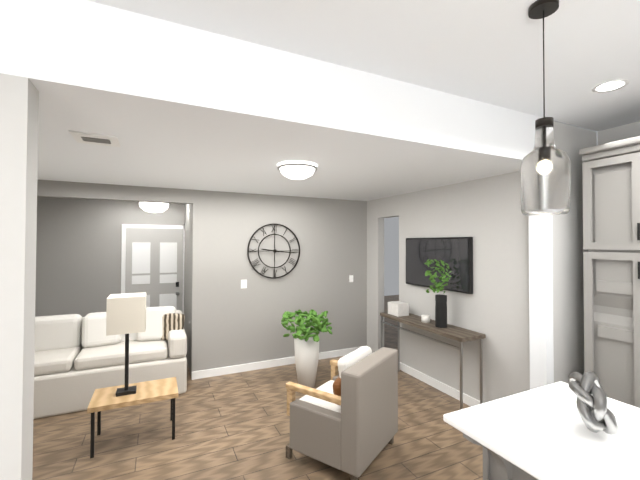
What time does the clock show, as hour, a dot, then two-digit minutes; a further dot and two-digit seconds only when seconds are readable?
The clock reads 9.16
